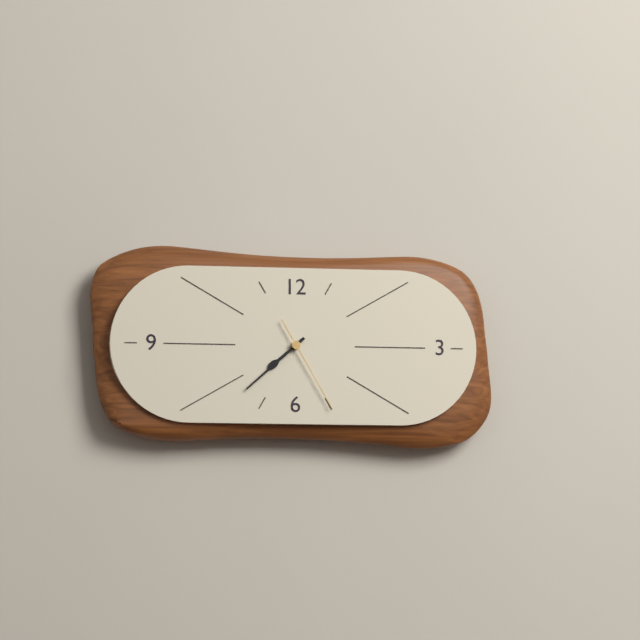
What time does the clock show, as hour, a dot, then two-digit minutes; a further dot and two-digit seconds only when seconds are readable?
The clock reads 7.38.25
